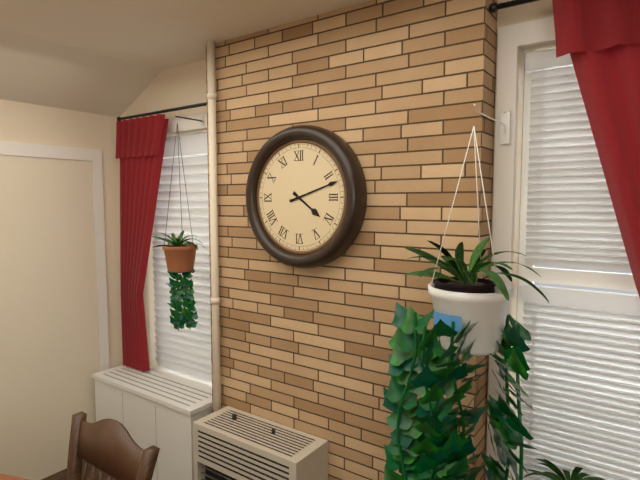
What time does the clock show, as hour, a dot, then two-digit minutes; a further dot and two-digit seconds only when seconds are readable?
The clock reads 4.12
